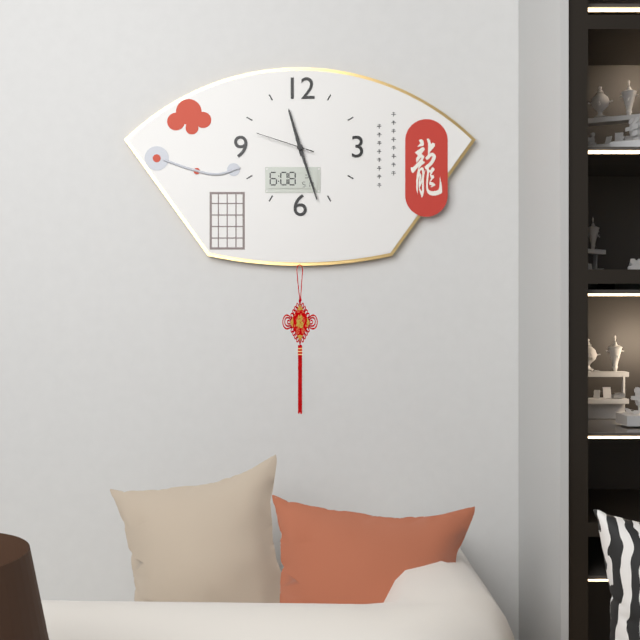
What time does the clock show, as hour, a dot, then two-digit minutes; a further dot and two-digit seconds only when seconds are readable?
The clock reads 11.27.48
